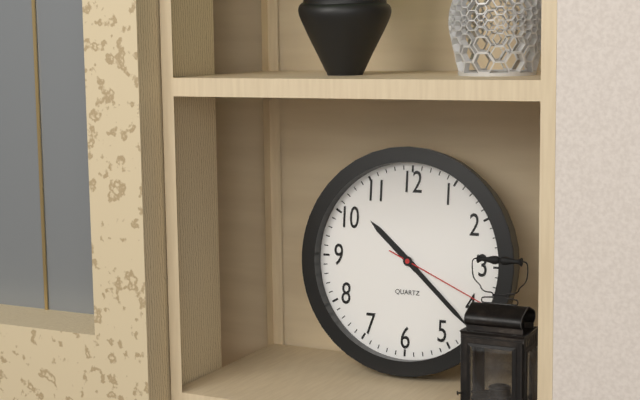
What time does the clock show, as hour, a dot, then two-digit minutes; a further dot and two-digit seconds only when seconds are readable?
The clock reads 10.22.19
